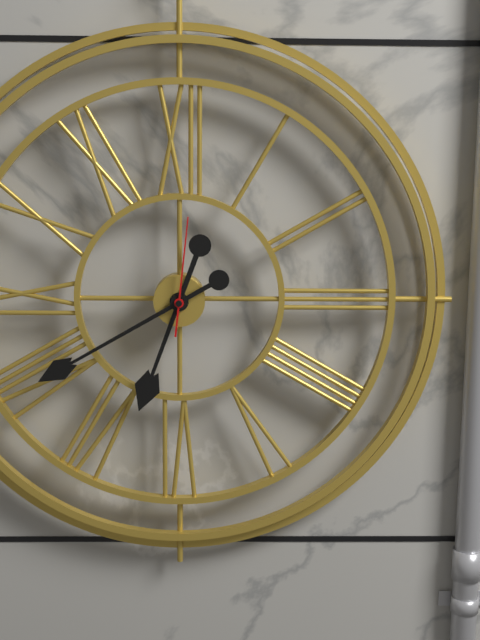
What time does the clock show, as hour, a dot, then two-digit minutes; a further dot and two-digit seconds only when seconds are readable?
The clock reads 6.40.01
